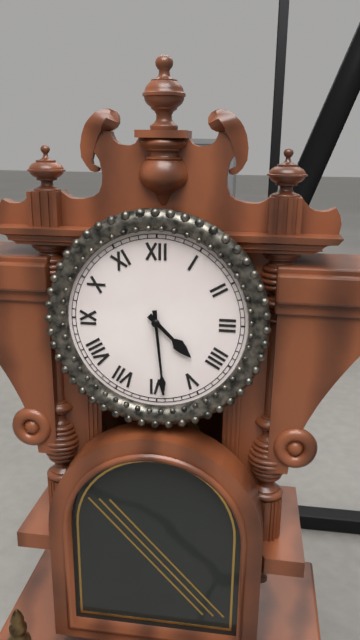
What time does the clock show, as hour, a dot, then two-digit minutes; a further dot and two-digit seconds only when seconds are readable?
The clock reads 4.29
